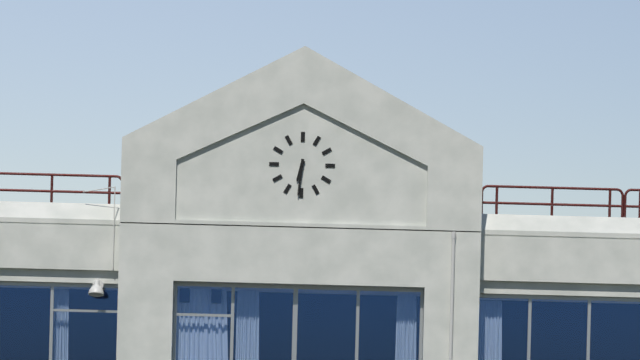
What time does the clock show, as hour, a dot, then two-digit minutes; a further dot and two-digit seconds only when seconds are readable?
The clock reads 6.31
